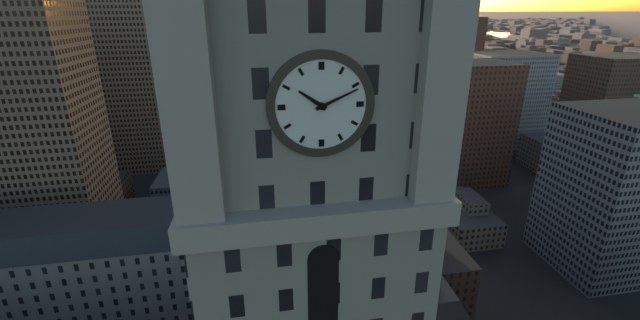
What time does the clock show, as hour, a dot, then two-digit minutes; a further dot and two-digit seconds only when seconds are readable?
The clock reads 10.11
